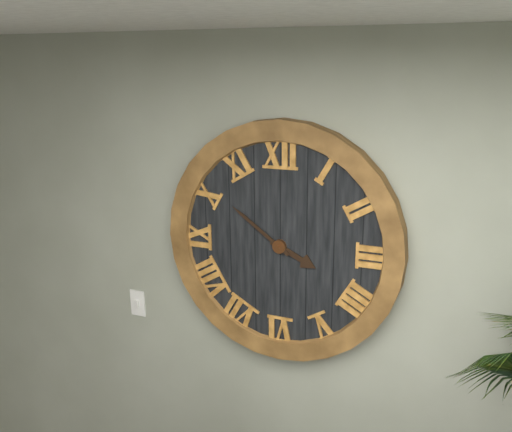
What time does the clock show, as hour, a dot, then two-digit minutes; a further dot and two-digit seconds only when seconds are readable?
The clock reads 3.51
